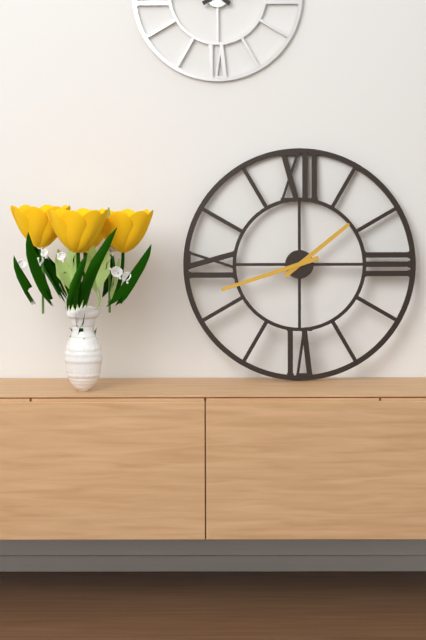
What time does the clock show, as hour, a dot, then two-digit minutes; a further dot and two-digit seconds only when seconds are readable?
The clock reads 1.42
